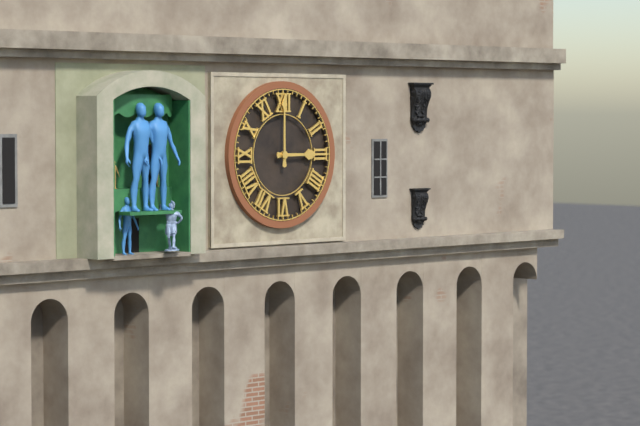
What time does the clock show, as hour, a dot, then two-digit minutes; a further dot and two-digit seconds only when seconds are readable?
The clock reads 3.00
